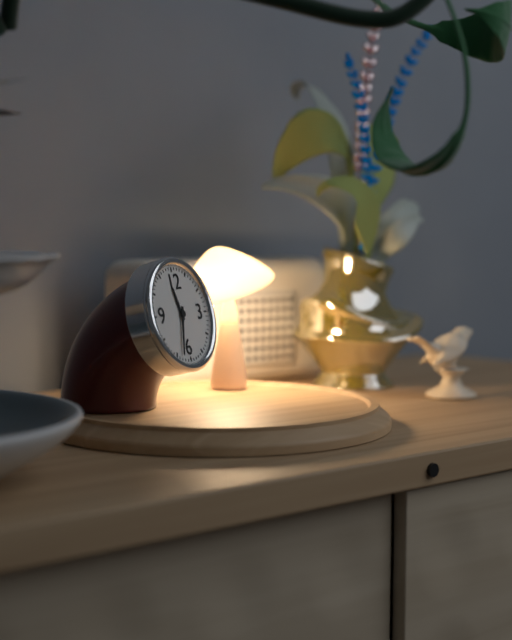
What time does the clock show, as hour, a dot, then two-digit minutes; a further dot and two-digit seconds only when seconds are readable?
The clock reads 11.33
